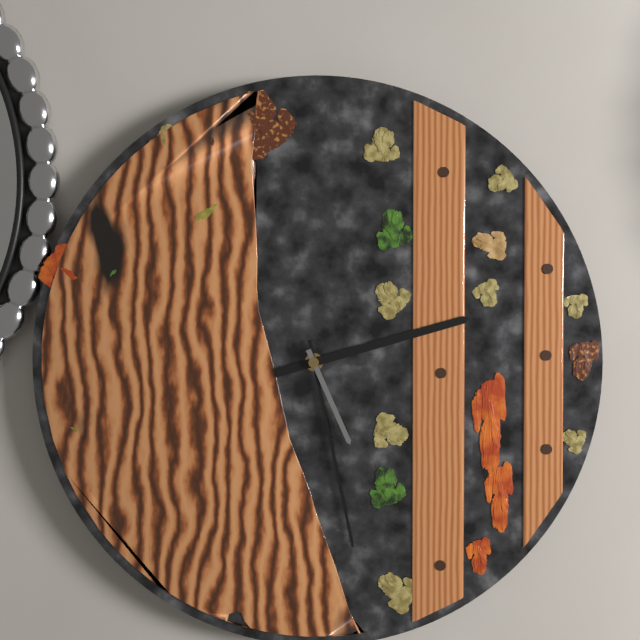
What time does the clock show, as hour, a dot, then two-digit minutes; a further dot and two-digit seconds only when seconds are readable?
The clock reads 2.28.26
